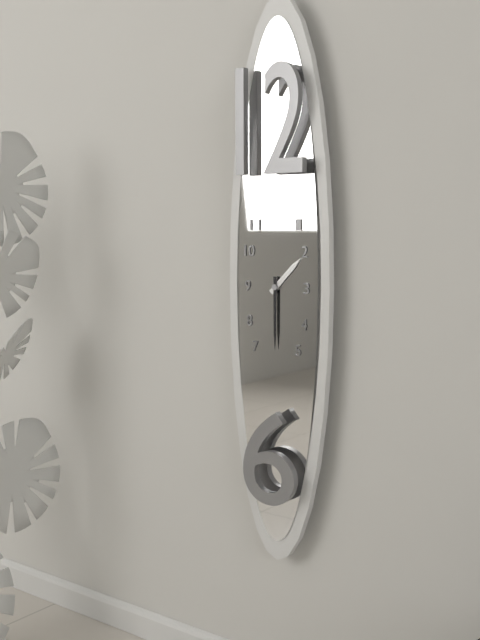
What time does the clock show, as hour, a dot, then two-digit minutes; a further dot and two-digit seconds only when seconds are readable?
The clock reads 1.30
